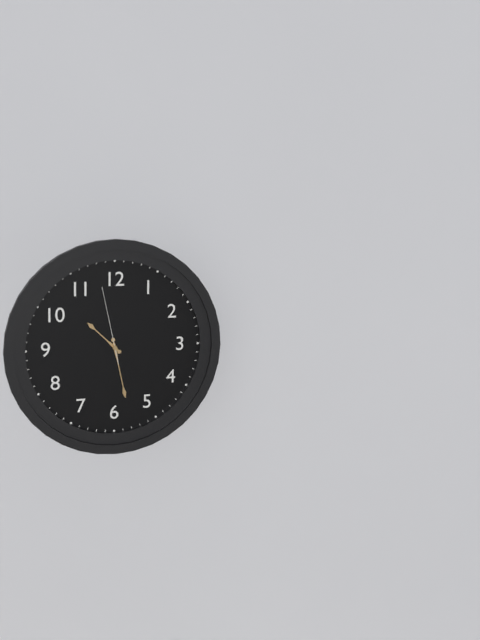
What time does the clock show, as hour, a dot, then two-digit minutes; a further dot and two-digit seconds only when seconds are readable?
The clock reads 10.28.58
